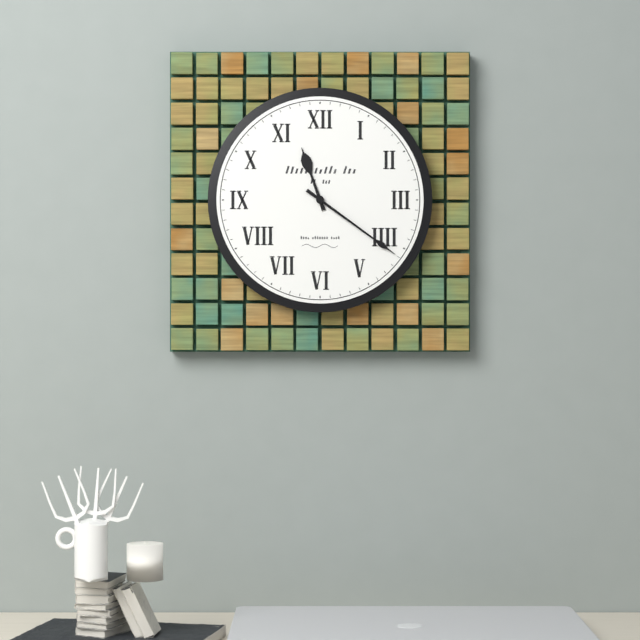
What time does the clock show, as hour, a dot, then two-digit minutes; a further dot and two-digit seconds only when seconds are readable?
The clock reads 11.21
